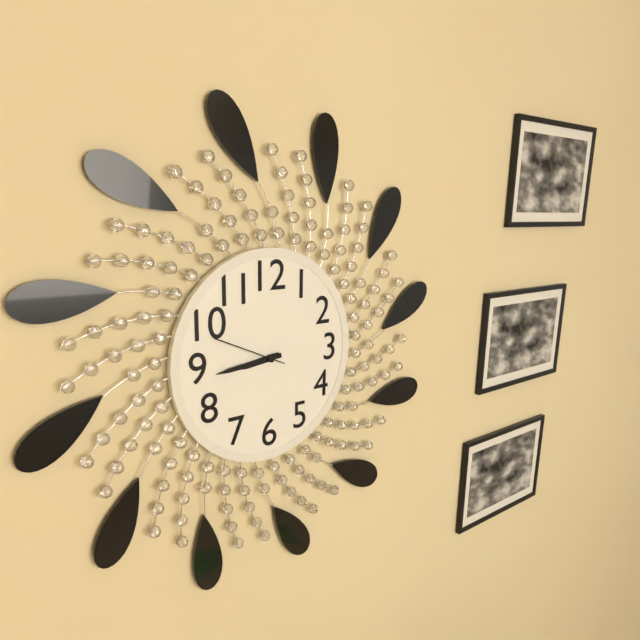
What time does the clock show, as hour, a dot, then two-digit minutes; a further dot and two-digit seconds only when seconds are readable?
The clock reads 8.44.49
